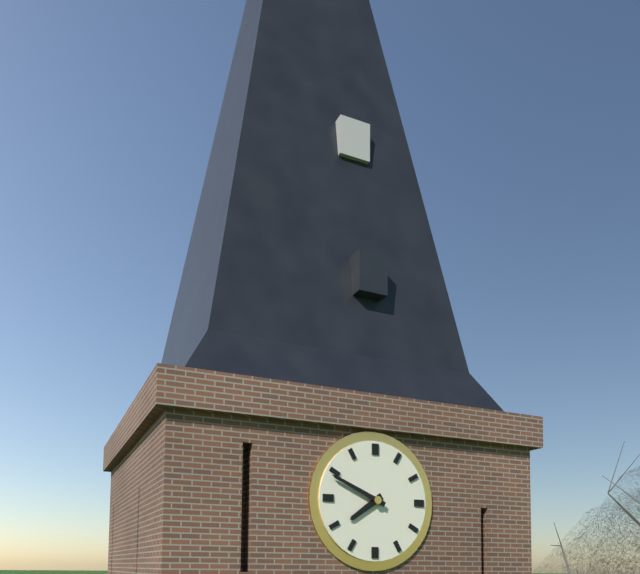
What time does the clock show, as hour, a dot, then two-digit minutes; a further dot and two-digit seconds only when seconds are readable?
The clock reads 7.49
